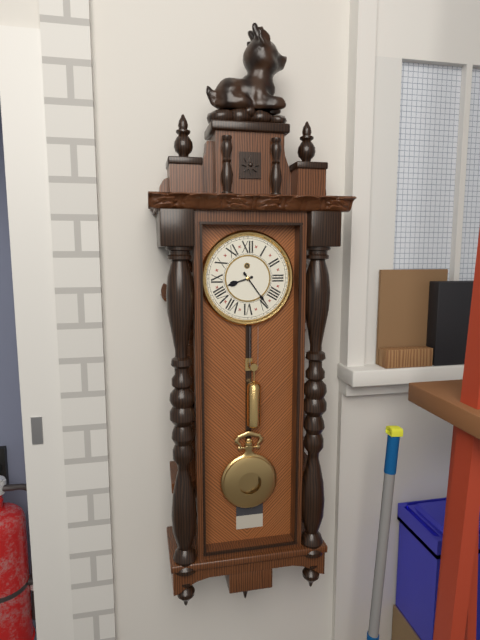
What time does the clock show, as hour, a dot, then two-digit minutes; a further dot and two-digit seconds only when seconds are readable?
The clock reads 8.24
